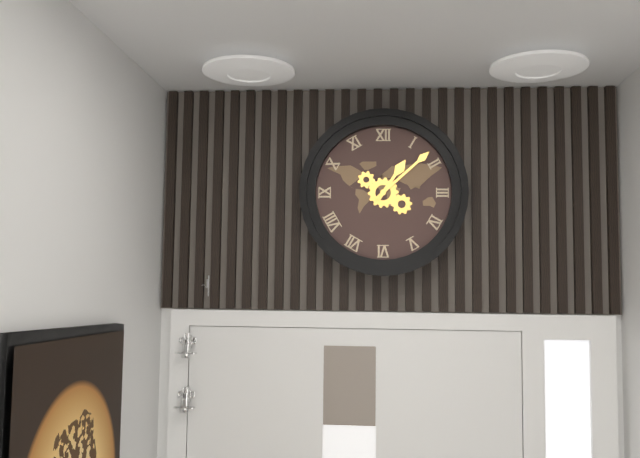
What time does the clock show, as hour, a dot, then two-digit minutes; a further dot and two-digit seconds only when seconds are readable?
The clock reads 1.08
